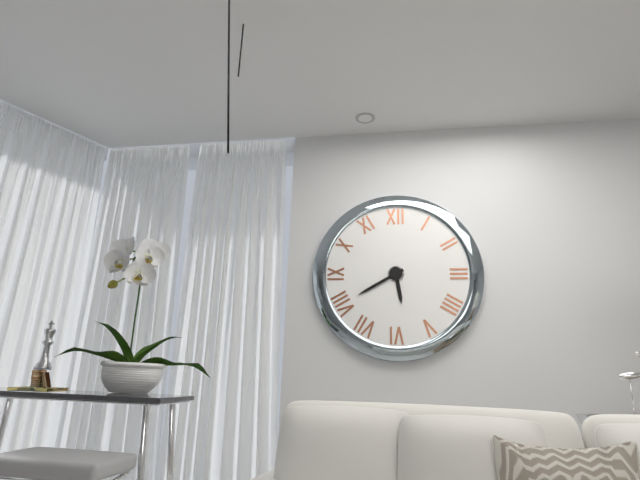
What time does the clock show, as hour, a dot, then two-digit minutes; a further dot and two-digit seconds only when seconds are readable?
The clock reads 5.40
